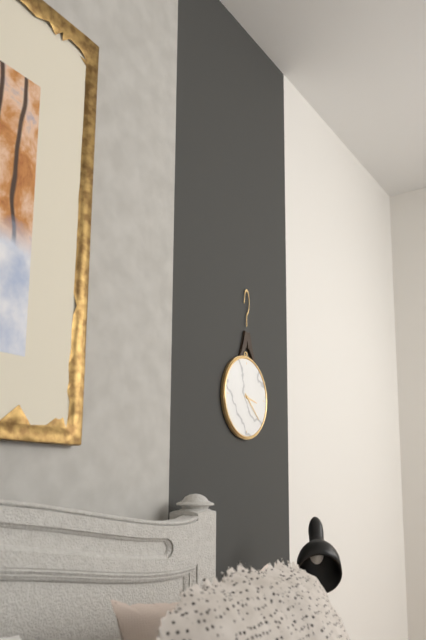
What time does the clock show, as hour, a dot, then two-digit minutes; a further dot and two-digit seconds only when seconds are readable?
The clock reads 3.22
